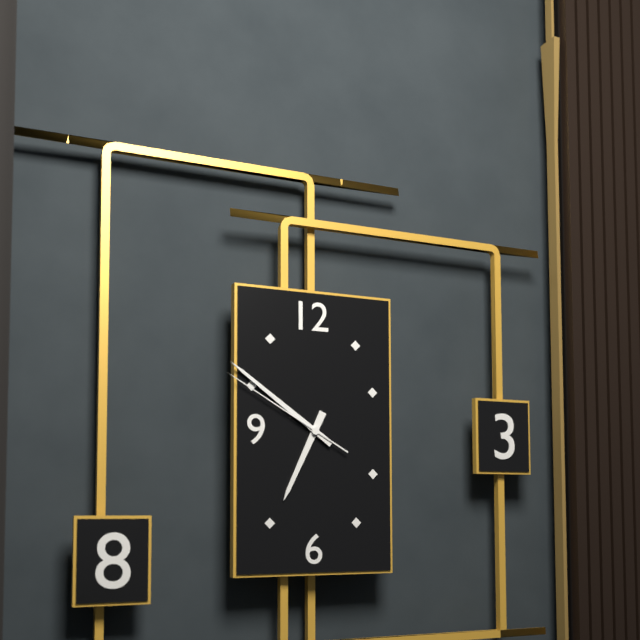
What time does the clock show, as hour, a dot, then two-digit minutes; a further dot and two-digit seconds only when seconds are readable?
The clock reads 6.51.50
